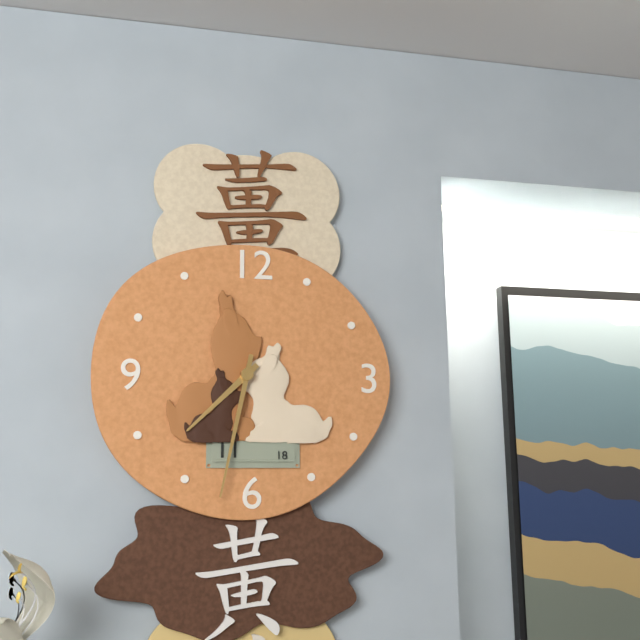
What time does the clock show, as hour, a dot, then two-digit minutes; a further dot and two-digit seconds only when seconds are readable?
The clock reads 7.32
